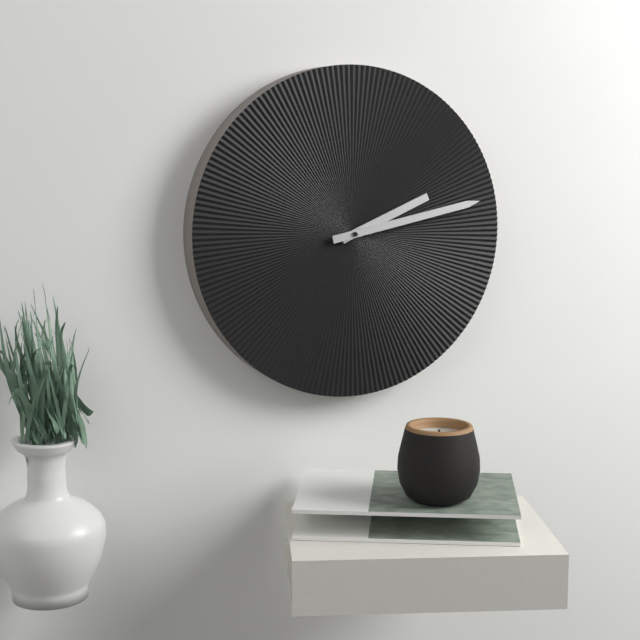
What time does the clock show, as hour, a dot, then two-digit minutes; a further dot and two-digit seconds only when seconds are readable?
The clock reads 2.13
